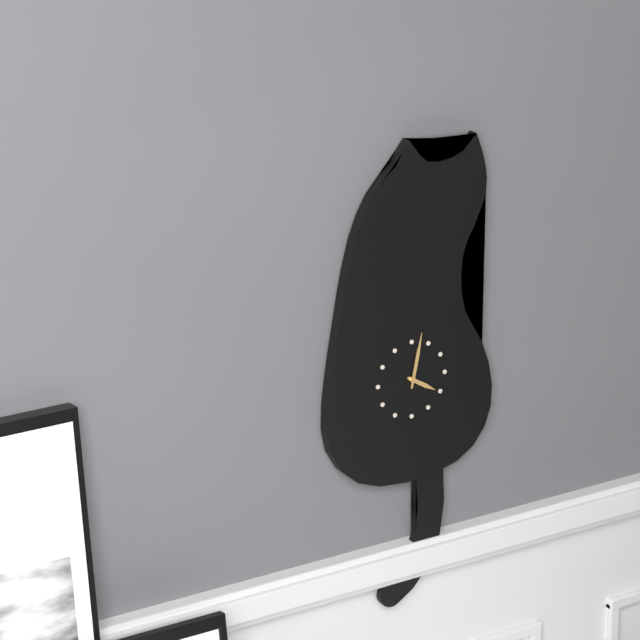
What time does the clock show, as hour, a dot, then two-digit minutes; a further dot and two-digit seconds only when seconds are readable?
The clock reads 4.02
